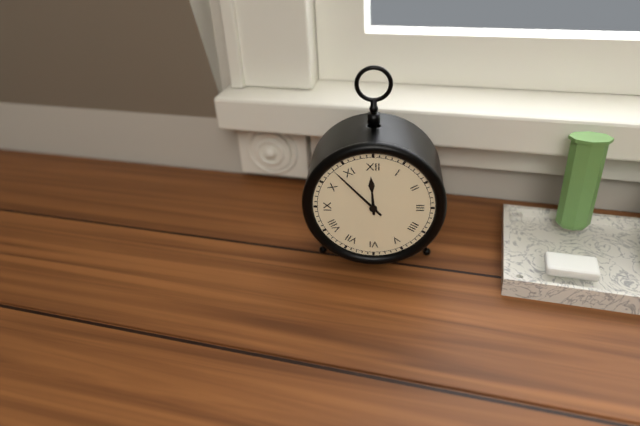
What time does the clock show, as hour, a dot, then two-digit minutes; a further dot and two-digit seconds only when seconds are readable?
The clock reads 11.53
